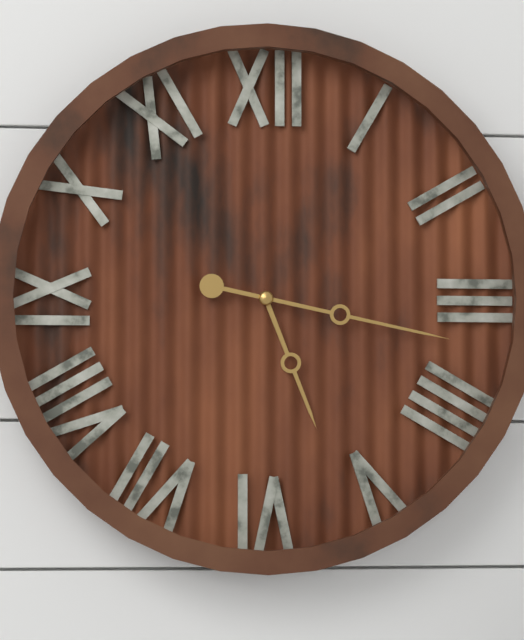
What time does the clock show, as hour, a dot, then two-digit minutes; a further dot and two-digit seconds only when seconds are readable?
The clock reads 5.17
